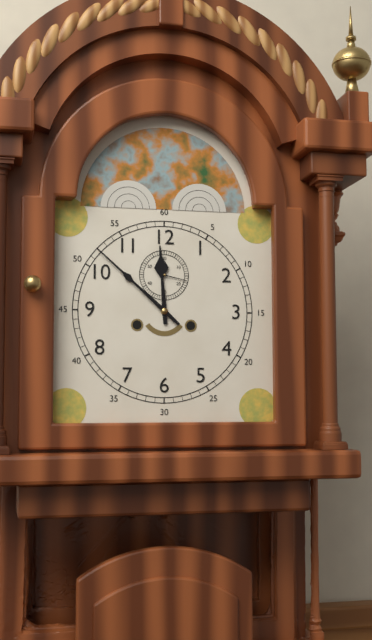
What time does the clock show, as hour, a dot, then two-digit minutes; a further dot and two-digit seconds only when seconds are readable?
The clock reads 11.52
